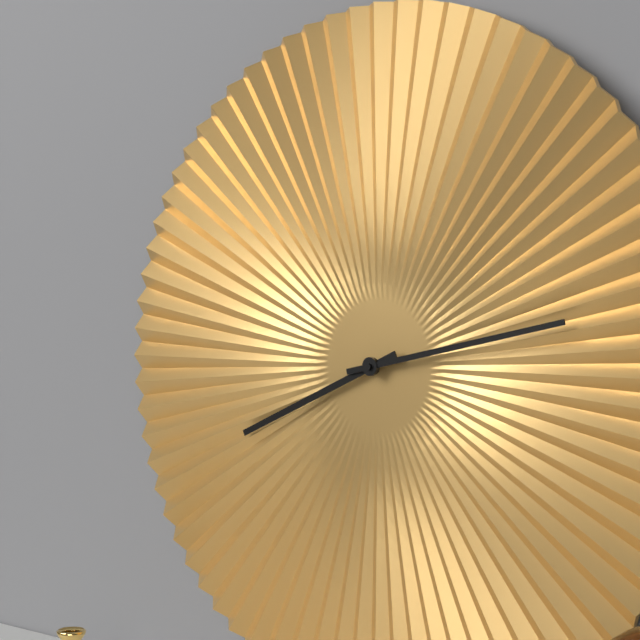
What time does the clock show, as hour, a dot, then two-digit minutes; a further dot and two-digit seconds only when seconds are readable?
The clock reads 8.13
